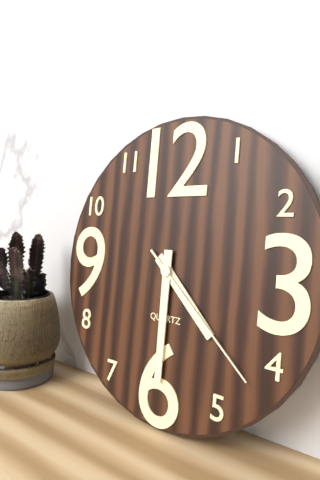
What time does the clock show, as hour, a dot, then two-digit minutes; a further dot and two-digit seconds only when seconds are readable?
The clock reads 4.30.22
